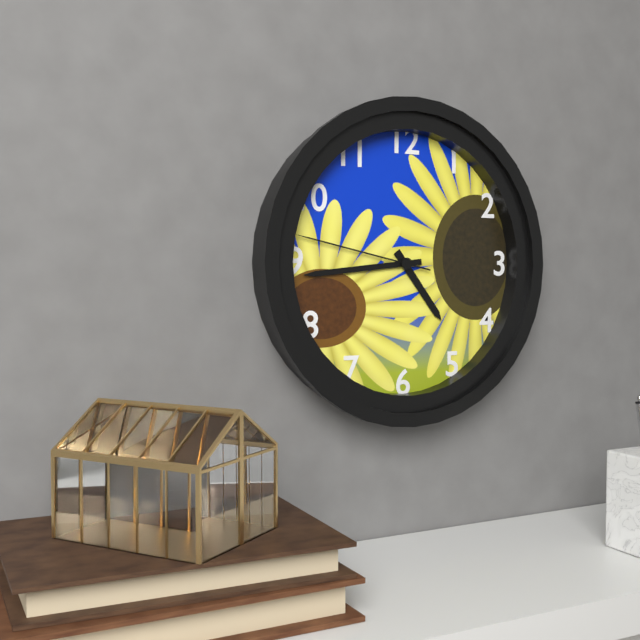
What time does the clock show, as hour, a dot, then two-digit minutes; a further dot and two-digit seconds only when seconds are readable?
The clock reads 4.44.47
